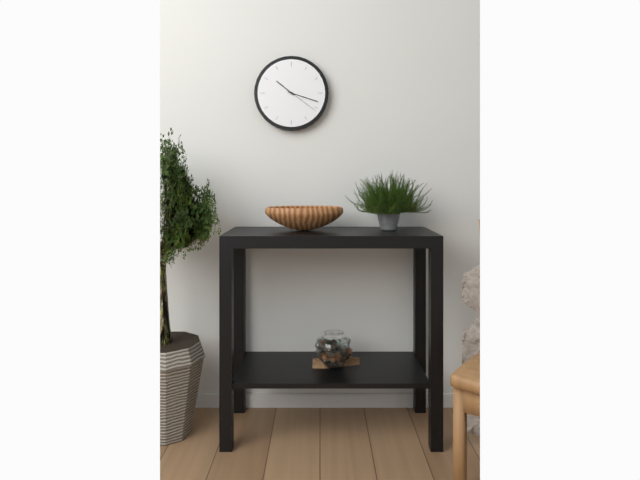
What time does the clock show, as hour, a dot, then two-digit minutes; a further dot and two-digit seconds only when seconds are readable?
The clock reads 10.18
